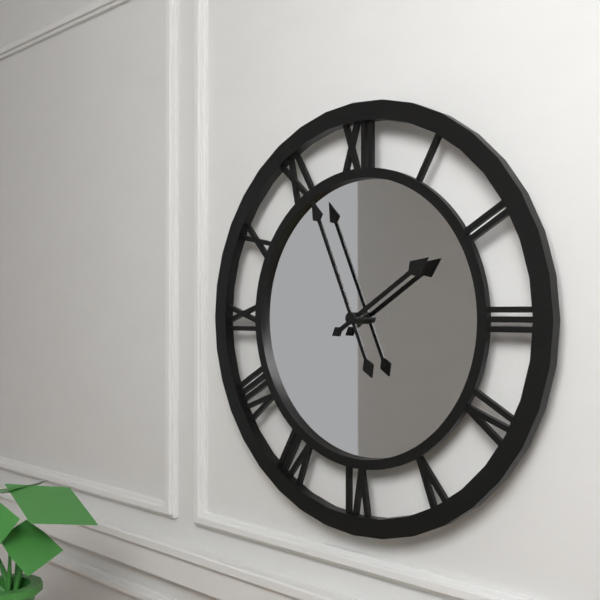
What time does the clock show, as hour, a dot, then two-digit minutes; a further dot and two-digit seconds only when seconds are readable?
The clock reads 1.56
